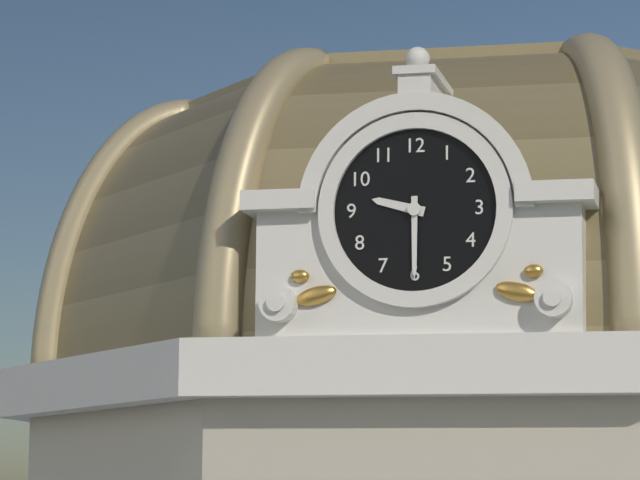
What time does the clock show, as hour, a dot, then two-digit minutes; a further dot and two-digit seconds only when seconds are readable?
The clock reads 9.30
